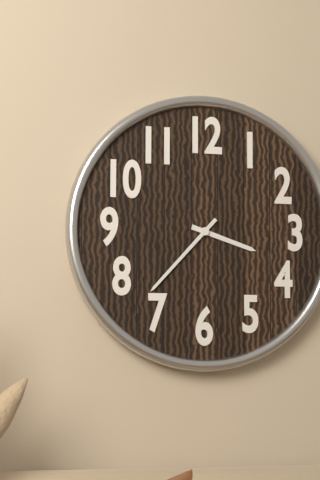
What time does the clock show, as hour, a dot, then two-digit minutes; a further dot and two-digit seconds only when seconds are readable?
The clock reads 3.37
